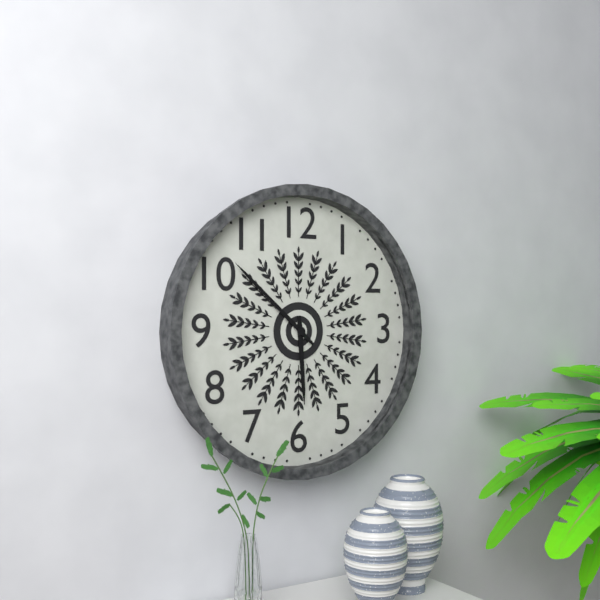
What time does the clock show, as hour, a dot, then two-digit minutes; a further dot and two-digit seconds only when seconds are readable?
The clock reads 5.52
